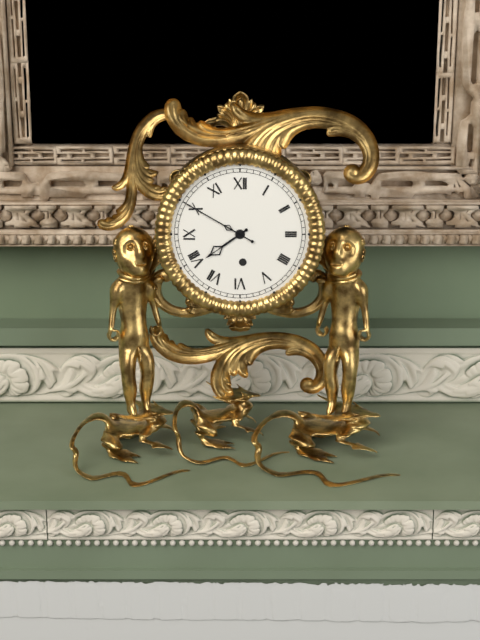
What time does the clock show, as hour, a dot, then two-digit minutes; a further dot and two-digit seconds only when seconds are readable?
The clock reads 7.50
